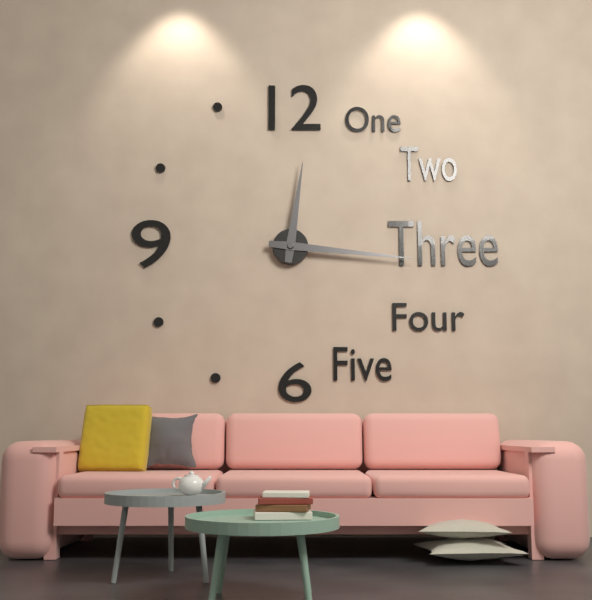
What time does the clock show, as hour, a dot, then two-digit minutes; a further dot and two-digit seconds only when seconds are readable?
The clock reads 12.16
